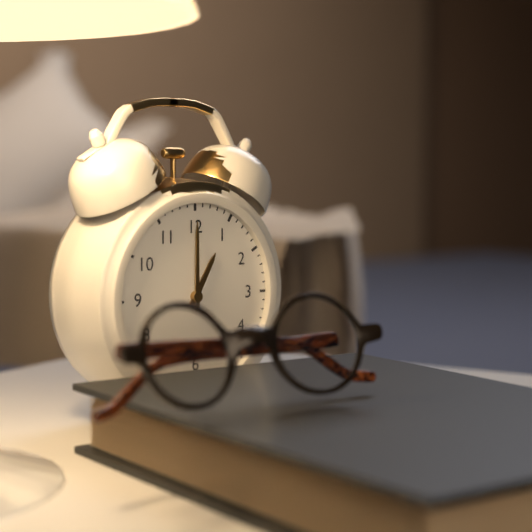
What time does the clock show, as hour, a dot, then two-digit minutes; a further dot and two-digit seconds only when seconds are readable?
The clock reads 1.00
